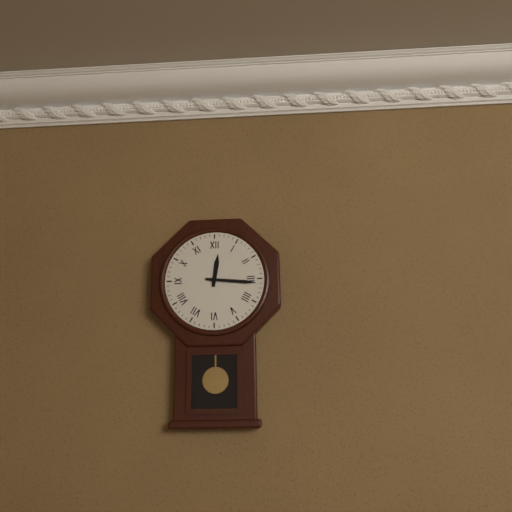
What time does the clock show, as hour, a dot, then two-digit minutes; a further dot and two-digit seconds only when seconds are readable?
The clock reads 12.16
